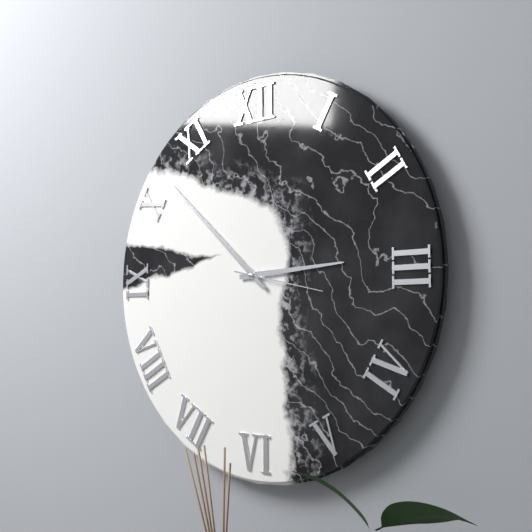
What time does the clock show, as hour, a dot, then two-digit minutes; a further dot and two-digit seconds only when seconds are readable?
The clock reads 2.52.17
